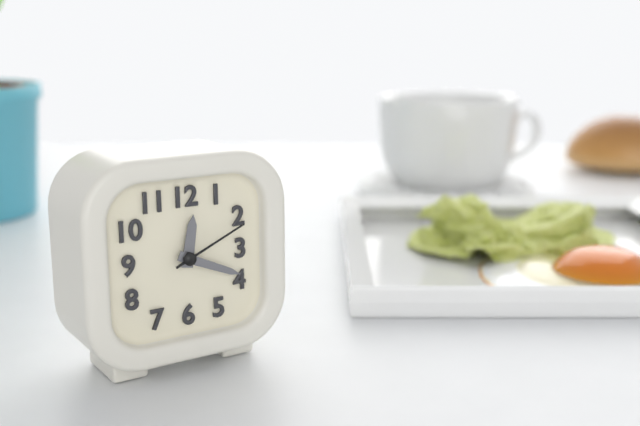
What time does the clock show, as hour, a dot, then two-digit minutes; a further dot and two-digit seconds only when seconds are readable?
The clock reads 12.19.11
